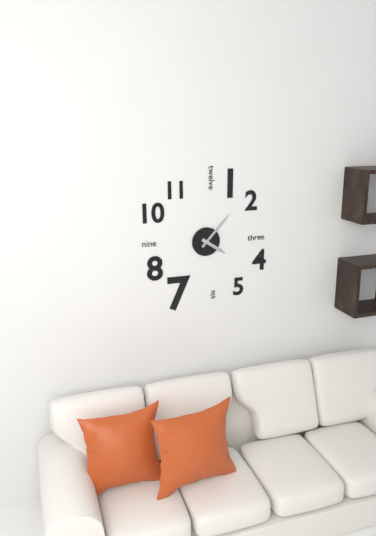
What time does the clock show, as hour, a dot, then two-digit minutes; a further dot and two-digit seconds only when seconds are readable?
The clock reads 4.07
